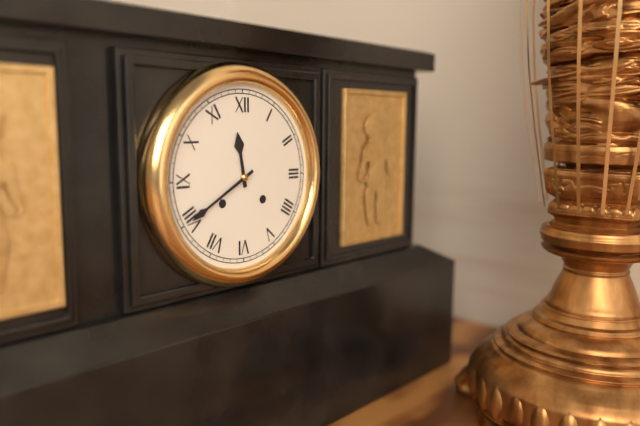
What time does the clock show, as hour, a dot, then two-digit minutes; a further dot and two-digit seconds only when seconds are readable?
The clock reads 11.40
